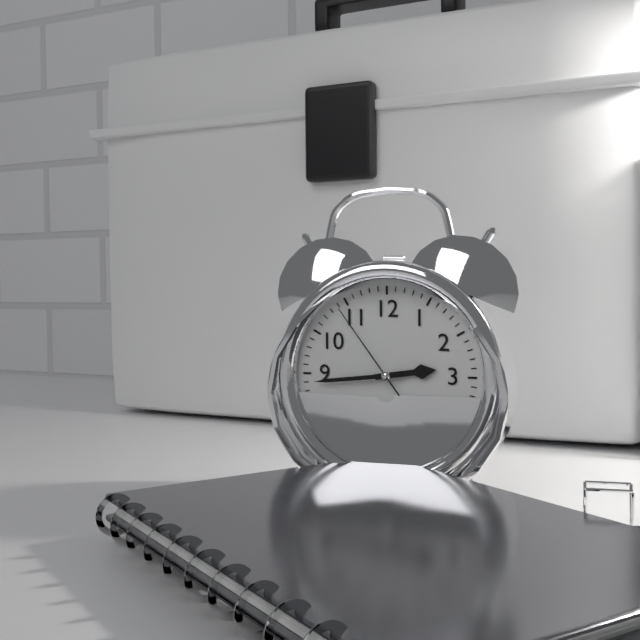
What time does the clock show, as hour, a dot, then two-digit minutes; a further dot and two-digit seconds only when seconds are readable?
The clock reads 2.44.54
